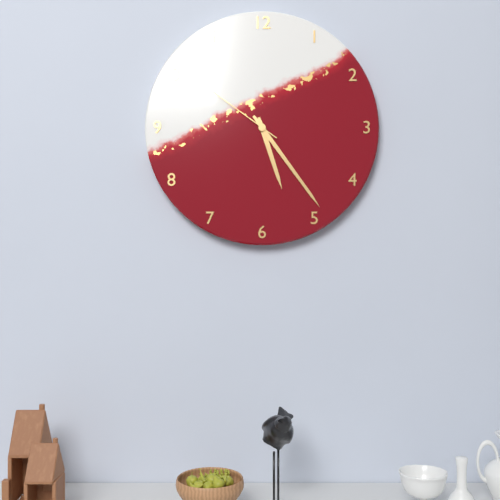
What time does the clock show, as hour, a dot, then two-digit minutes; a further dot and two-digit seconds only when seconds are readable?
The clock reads 5.24.51
